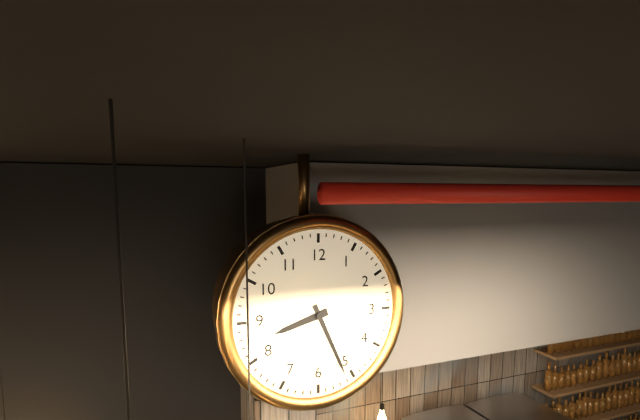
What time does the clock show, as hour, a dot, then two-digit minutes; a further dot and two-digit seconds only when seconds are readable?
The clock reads 8.26
